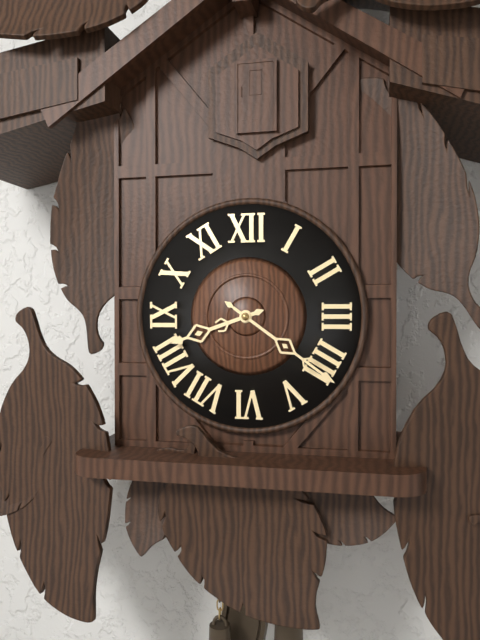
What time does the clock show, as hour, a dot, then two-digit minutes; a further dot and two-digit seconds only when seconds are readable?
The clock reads 8.21
